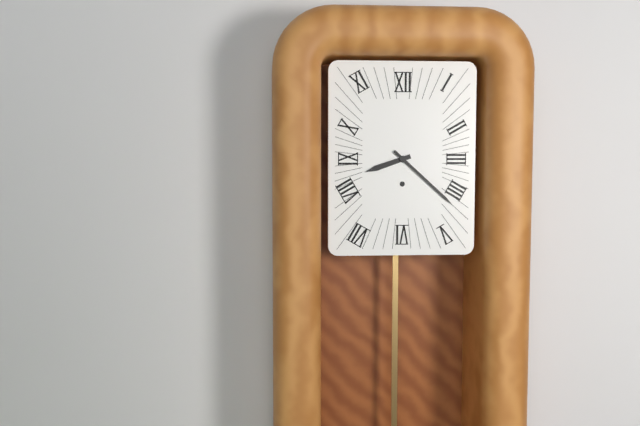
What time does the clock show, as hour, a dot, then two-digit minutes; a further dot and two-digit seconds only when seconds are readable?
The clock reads 8.22
